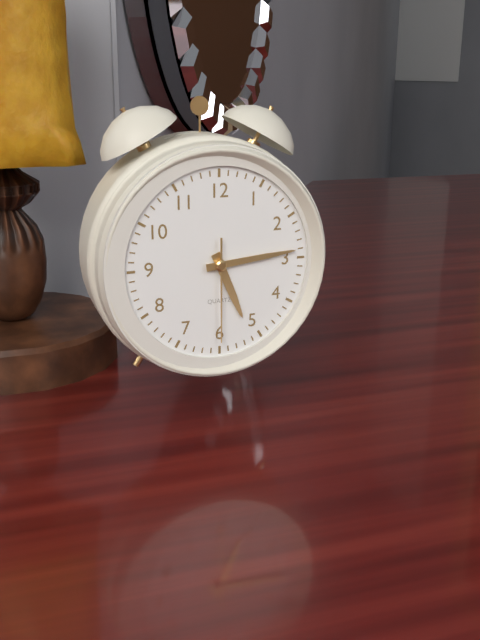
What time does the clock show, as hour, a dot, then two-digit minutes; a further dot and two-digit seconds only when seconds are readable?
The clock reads 5.14.30
